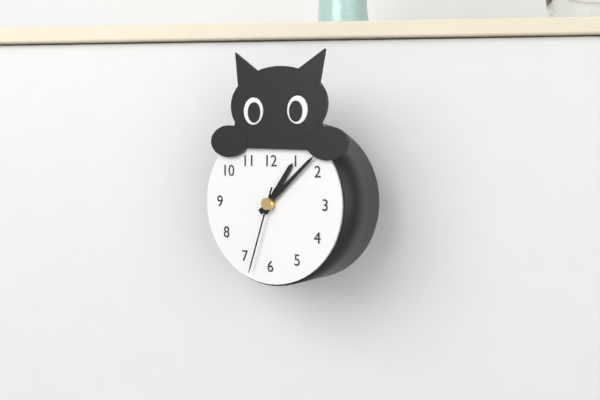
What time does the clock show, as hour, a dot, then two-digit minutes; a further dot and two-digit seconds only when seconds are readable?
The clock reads 1.08.33
